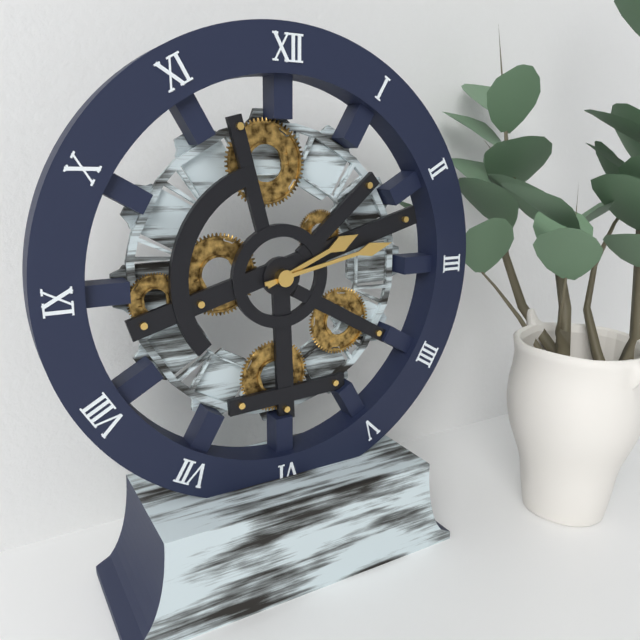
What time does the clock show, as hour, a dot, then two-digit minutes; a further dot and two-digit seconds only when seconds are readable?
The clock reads 2.13
